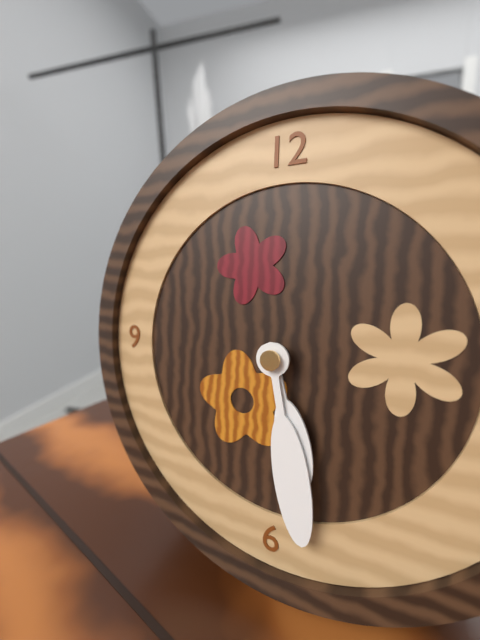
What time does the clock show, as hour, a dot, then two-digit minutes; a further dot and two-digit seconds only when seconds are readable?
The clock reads 5.28
